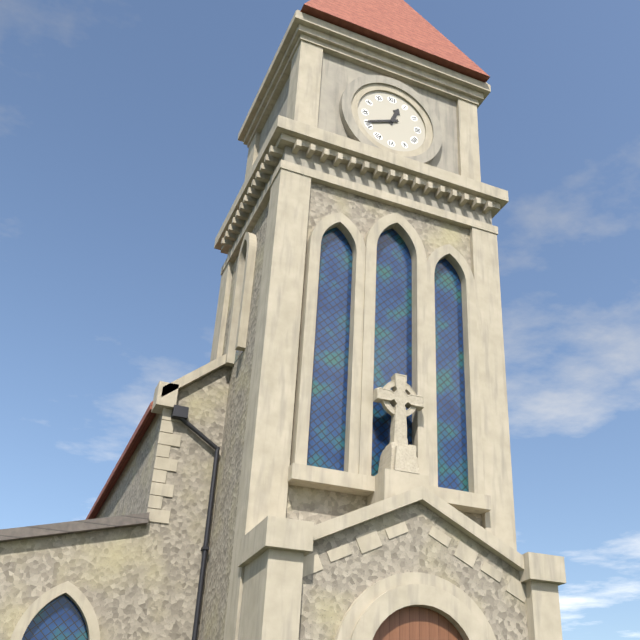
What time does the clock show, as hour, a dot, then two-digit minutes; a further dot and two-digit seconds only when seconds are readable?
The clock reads 12.41
